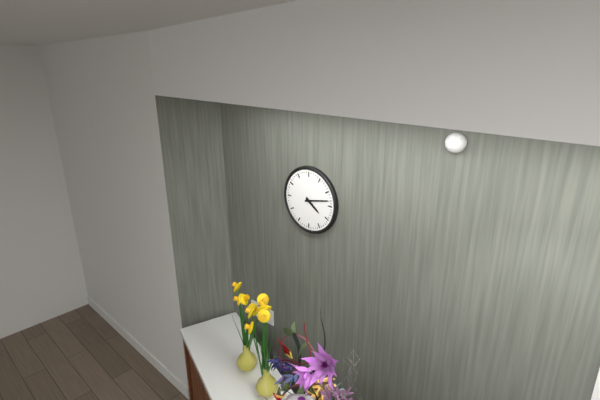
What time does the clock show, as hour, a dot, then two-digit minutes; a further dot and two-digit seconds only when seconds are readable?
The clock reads 4.13
